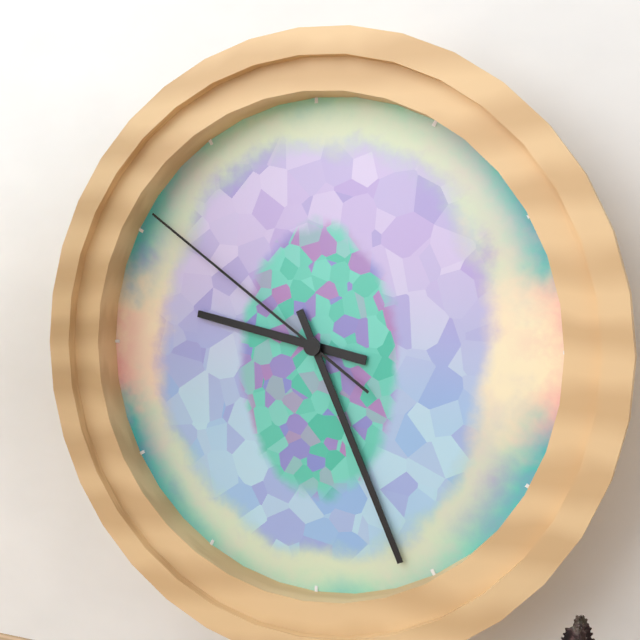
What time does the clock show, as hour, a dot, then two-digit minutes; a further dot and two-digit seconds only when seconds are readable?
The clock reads 9.26.51
